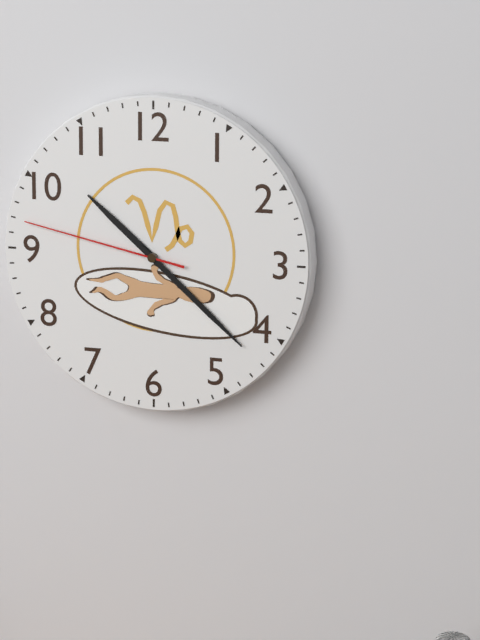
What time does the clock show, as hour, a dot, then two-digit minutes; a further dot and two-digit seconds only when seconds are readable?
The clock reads 10.22.47
